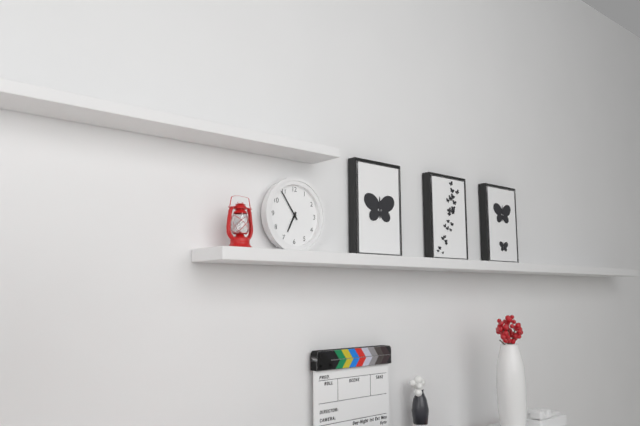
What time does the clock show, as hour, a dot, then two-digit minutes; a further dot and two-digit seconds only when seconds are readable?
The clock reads 6.54
